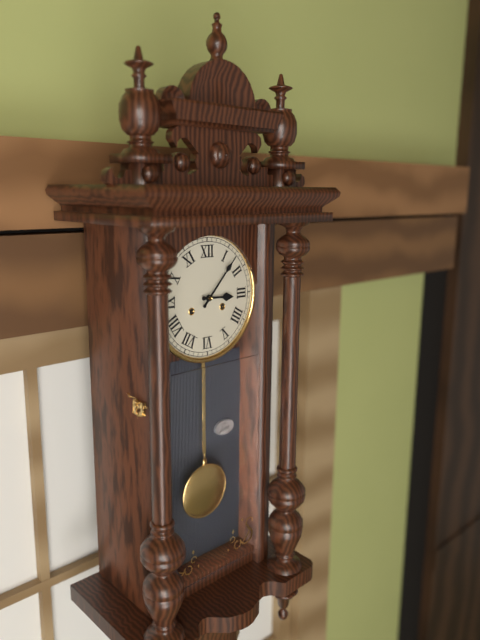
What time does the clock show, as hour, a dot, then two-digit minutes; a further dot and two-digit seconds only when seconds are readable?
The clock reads 3.07
